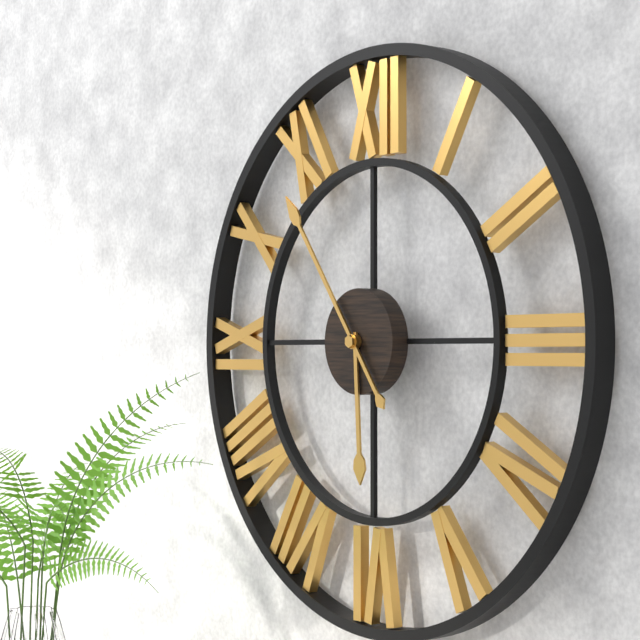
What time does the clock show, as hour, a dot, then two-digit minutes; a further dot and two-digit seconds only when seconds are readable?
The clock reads 5.54
